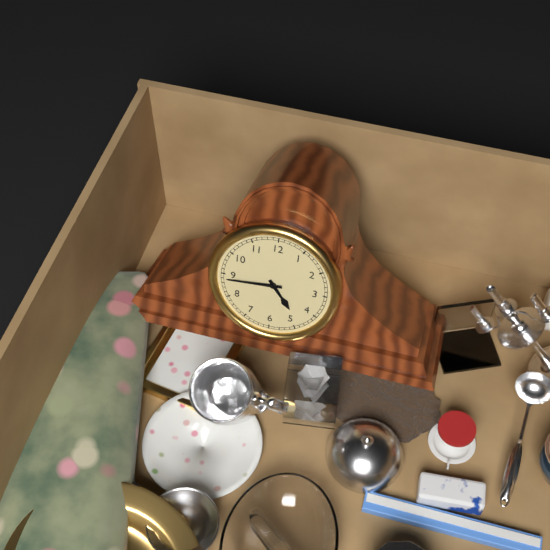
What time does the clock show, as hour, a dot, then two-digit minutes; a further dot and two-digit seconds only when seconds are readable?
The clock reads 4.44
